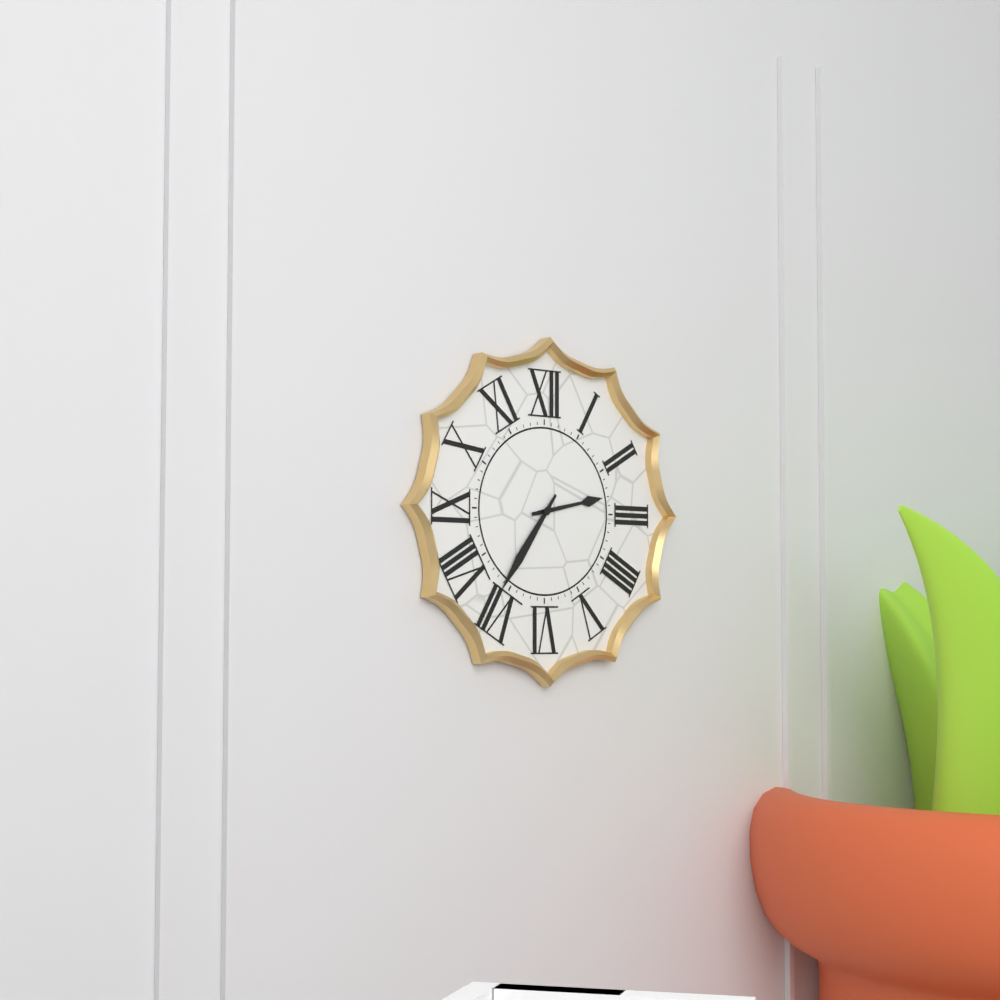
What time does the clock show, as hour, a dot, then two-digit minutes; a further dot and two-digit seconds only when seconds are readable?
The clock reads 2.36
